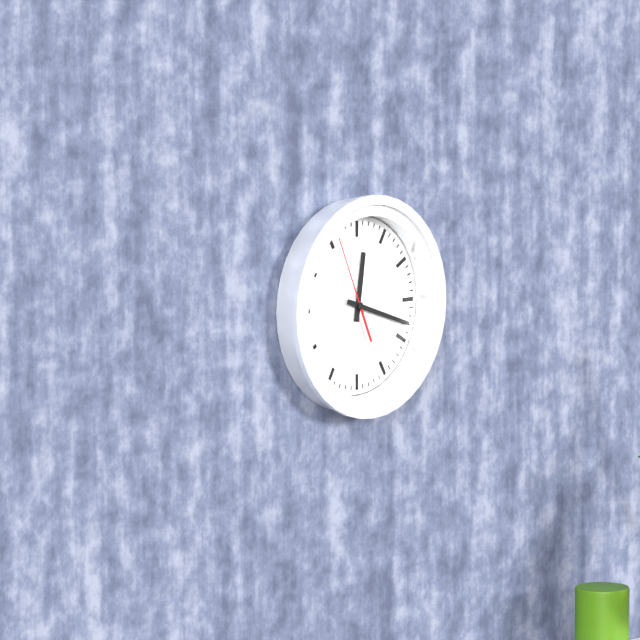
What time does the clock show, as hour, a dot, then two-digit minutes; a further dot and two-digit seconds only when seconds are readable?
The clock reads 12.18.56
